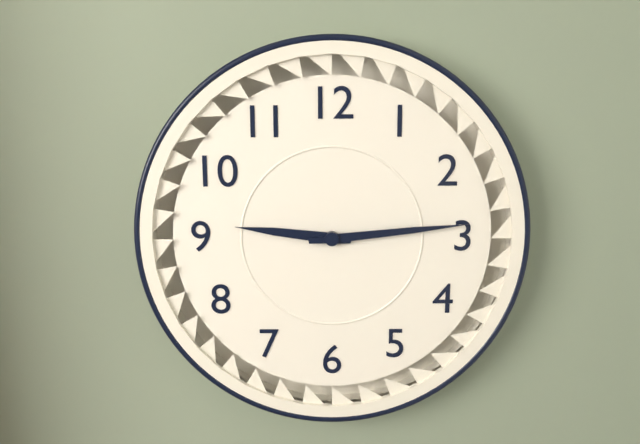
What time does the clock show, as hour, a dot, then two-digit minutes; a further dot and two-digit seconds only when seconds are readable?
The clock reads 9.14
